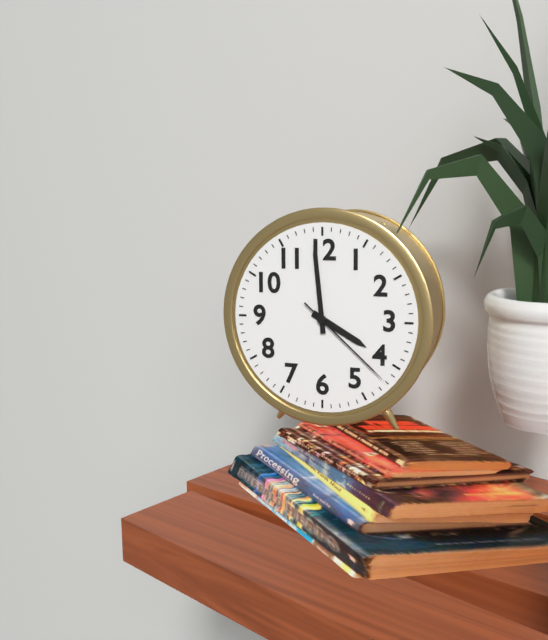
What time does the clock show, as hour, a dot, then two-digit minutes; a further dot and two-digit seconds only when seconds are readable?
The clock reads 3.59.22
